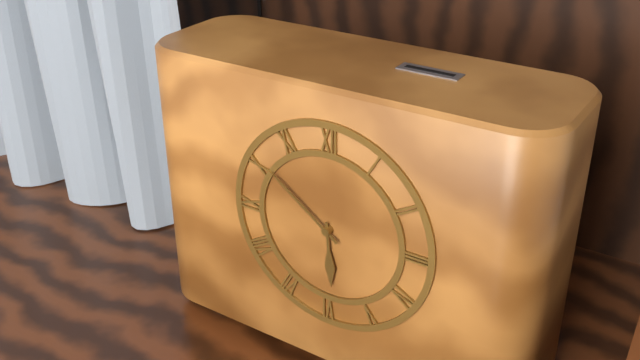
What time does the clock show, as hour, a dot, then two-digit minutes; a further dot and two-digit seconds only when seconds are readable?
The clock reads 5.51
